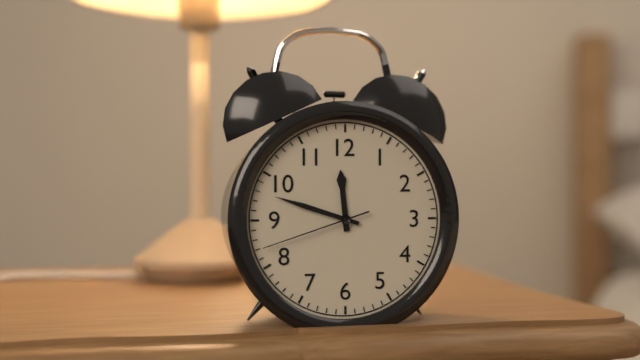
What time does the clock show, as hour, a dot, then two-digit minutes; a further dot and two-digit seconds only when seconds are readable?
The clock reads 11.48.42
